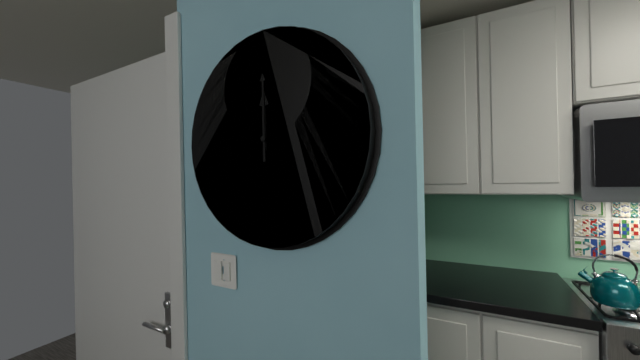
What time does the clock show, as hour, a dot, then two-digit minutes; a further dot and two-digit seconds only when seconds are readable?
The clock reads 12.00
